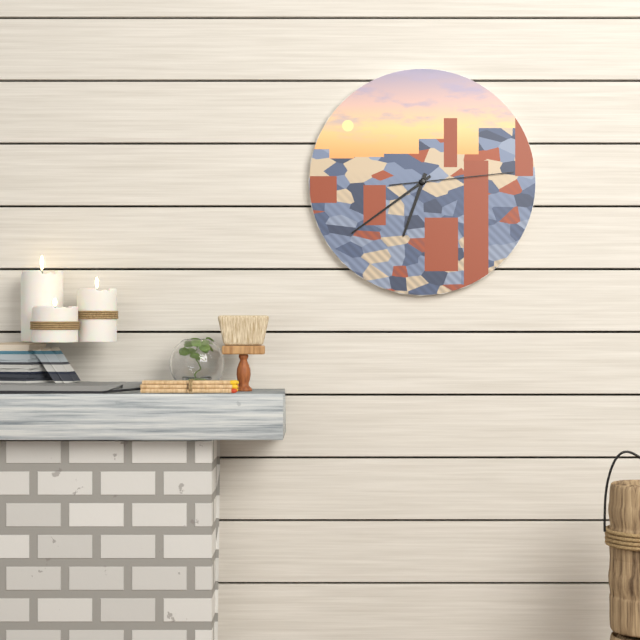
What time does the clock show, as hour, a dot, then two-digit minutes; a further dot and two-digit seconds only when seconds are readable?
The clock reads 6.39.14
